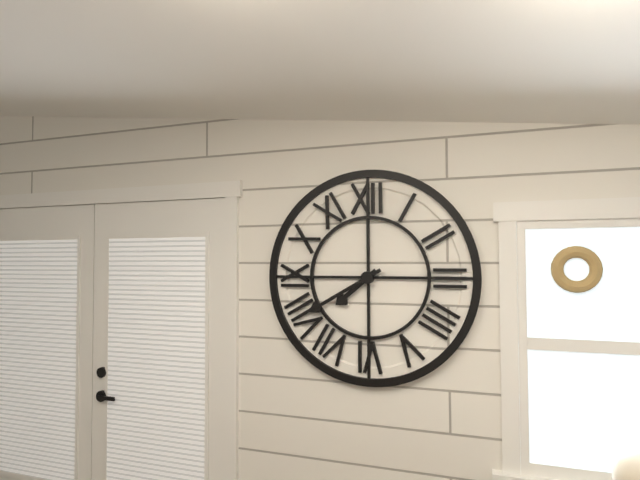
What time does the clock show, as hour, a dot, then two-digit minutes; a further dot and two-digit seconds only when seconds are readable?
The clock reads 7.40
